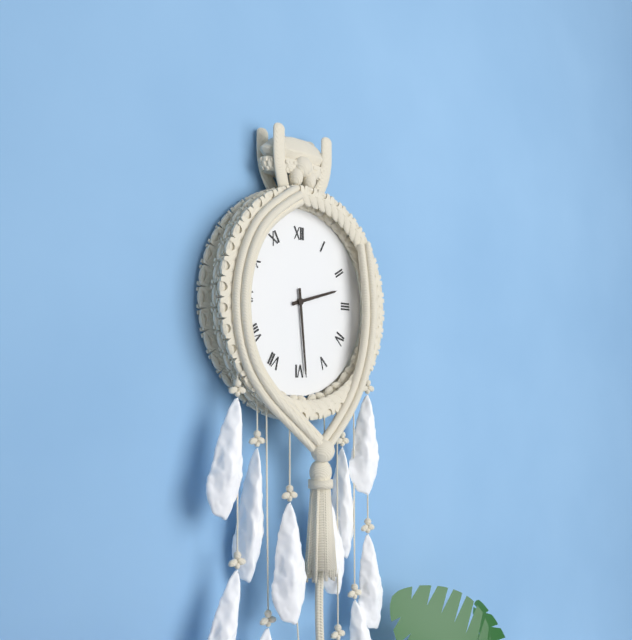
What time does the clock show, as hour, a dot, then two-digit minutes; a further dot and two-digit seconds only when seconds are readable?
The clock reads 2.29
